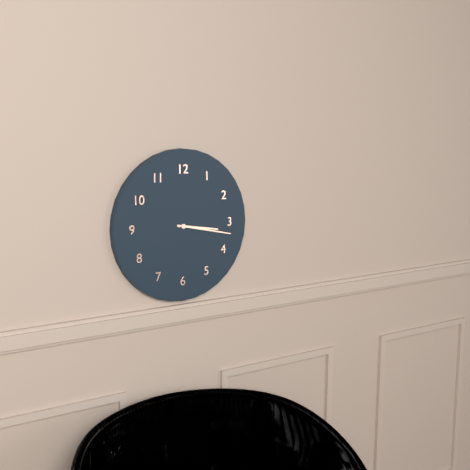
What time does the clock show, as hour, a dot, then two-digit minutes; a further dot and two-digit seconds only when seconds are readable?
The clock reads 3.17
